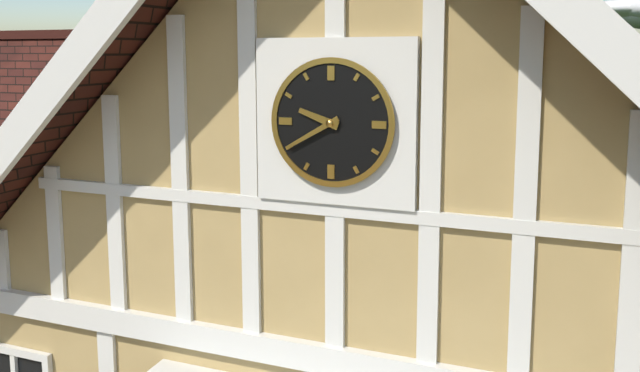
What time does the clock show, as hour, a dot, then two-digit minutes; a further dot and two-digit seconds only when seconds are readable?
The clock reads 9.40
